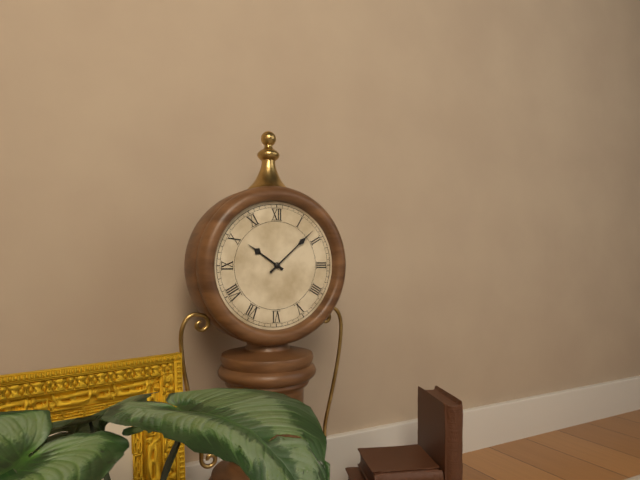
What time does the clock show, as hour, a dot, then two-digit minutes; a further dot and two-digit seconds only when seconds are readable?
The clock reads 10.08
